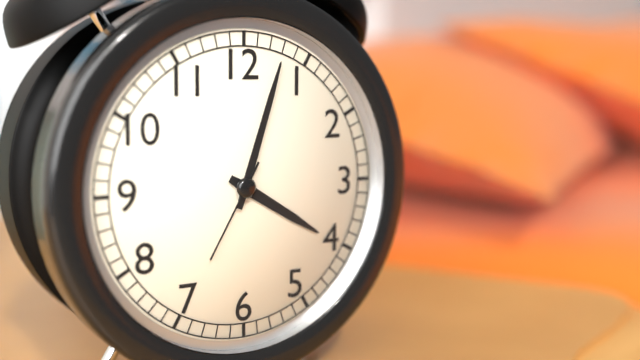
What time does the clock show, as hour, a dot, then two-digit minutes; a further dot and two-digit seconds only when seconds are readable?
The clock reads 4.03.35
